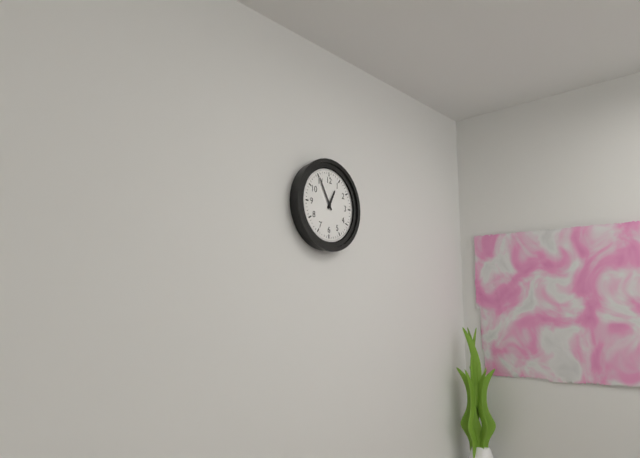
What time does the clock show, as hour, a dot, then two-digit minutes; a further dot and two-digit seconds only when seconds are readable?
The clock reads 12.55
